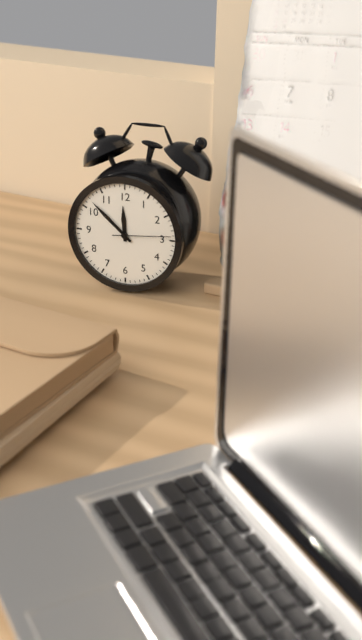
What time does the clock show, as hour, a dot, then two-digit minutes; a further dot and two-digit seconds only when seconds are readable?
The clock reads 11.52.14
